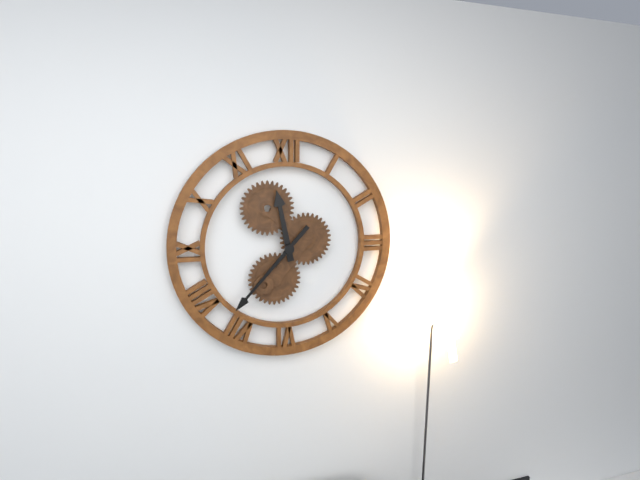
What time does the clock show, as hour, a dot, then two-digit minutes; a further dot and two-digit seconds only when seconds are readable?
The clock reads 11.37
